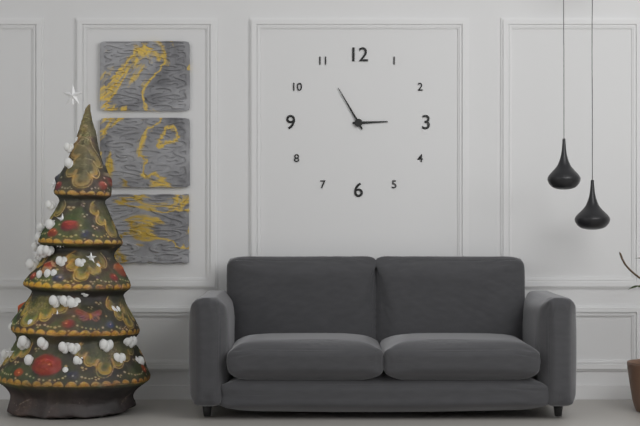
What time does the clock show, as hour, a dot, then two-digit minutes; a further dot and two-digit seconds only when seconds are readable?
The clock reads 2.55
